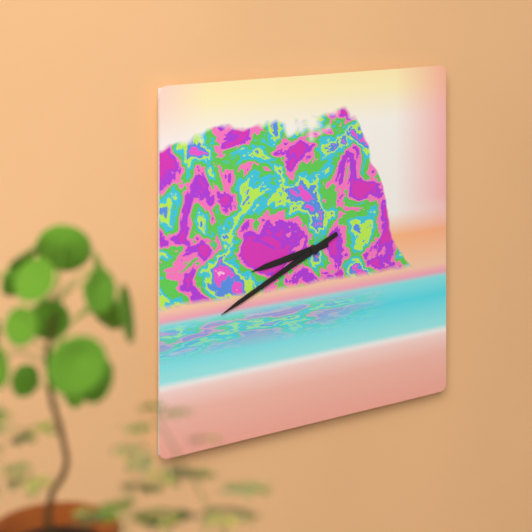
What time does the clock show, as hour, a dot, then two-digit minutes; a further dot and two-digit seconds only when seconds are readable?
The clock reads 8.41
